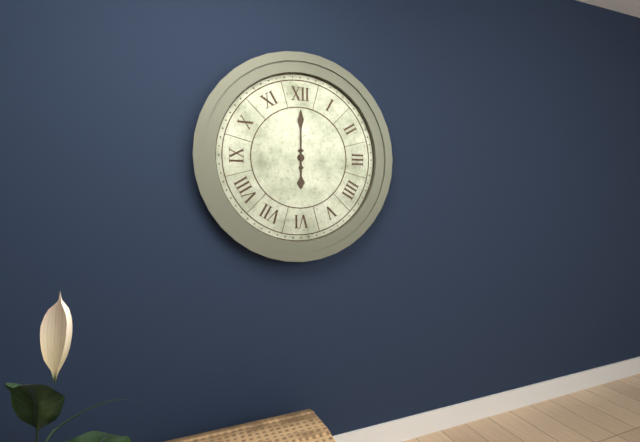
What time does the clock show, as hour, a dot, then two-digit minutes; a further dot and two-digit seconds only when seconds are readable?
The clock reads 6.00
